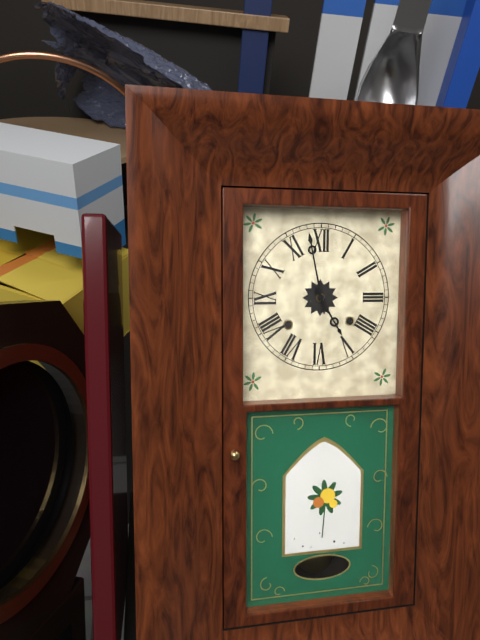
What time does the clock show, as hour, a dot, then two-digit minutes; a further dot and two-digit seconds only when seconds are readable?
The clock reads 4.58
